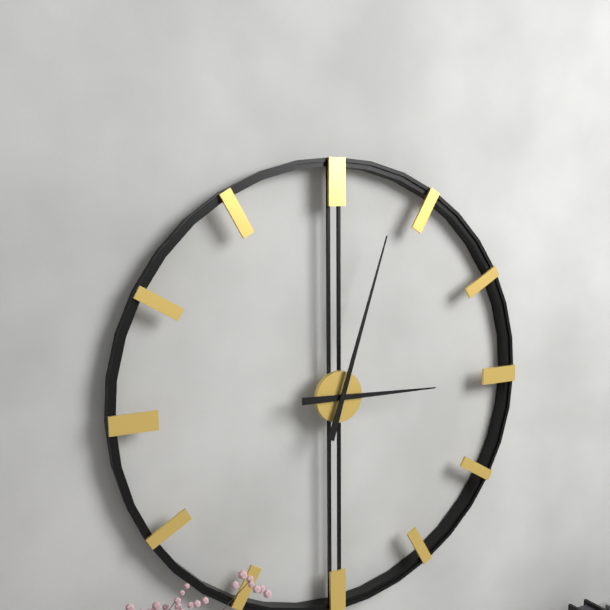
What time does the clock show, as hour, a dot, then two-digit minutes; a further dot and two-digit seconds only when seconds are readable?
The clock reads 3.03
